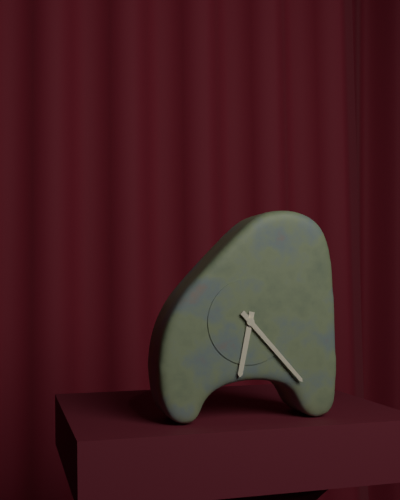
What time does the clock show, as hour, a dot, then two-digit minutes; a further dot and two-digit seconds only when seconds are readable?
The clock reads 6.23
